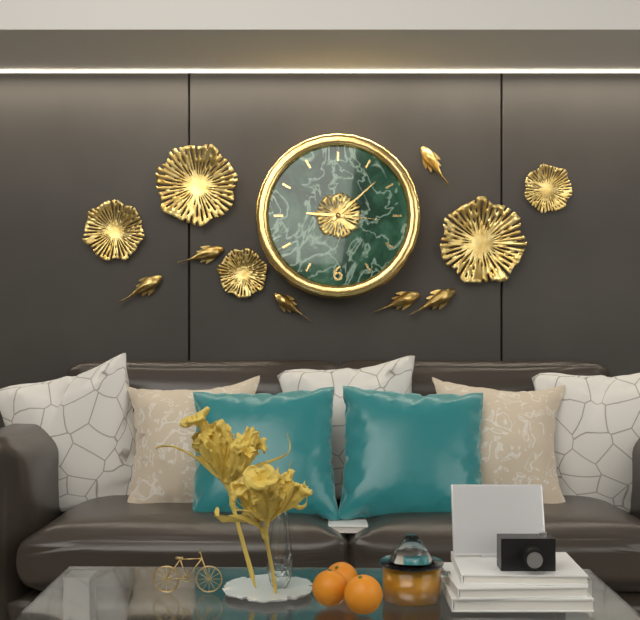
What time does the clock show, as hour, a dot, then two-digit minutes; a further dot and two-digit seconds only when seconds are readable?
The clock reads 9.08.16
